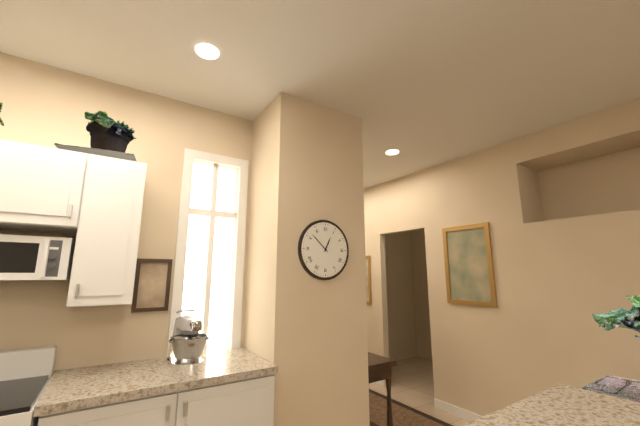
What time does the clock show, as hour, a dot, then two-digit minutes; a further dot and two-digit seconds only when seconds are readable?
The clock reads 12.52
